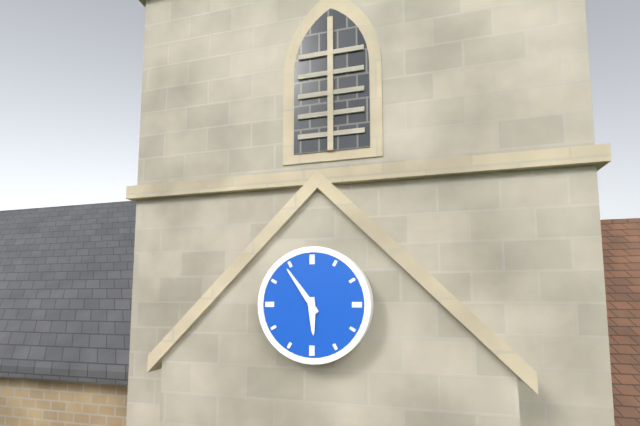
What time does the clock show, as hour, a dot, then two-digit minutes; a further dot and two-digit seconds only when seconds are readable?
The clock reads 5.54
